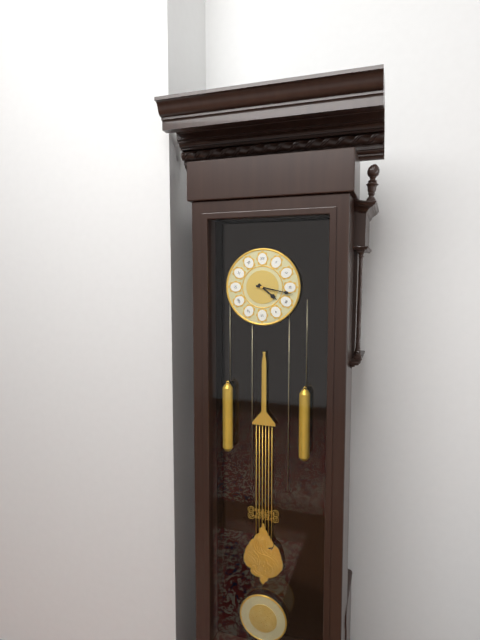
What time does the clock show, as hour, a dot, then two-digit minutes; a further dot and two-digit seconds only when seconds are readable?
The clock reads 4.17
